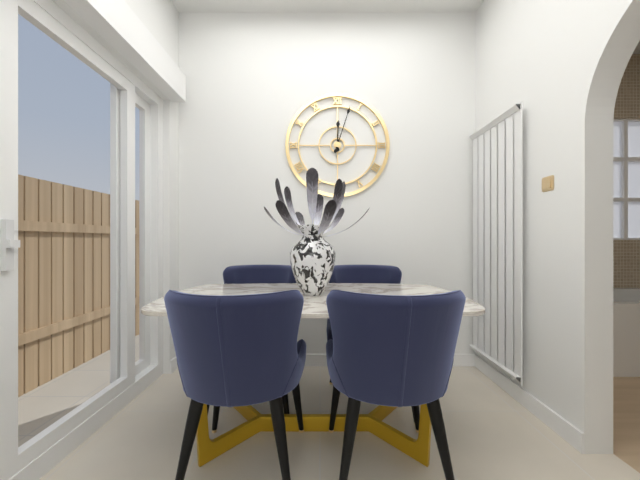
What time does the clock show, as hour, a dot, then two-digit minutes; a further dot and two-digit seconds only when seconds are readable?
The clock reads 12.03
